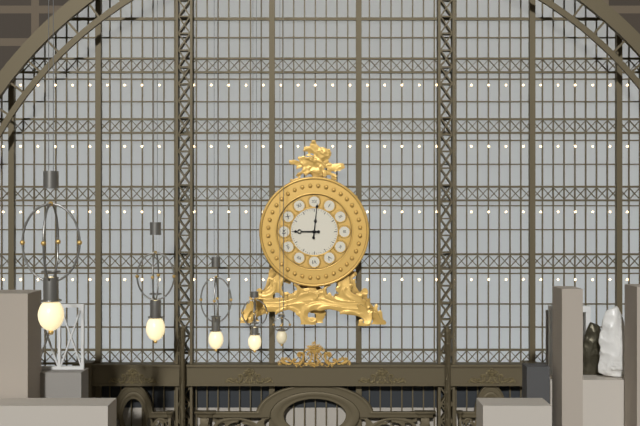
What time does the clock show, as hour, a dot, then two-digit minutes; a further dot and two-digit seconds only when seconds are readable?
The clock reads 9.01
